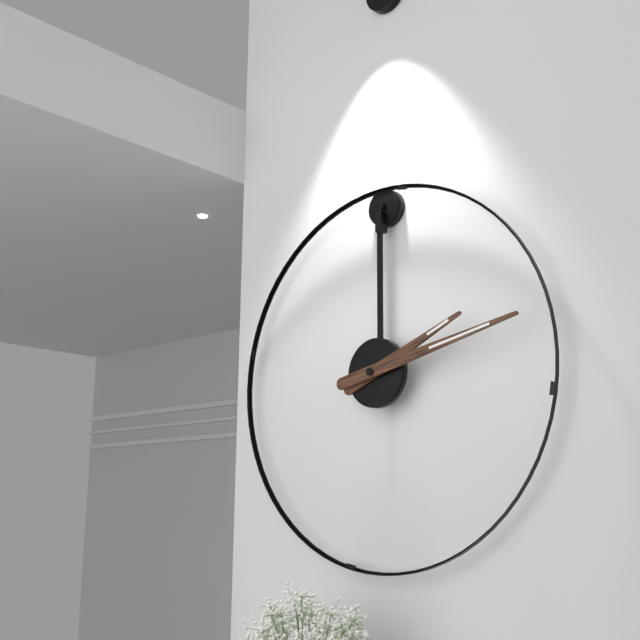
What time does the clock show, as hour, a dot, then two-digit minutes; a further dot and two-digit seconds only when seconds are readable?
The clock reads 2.13
